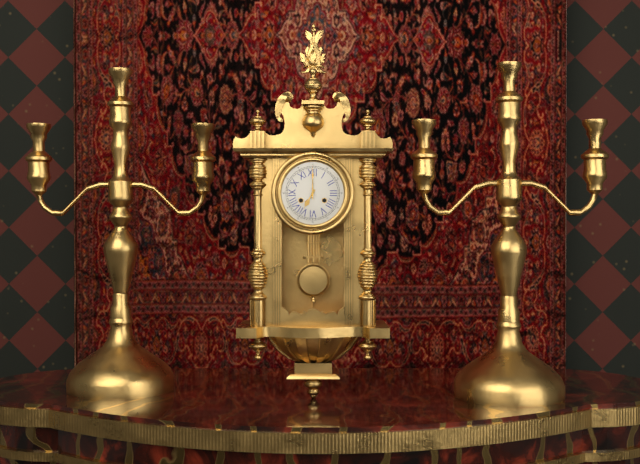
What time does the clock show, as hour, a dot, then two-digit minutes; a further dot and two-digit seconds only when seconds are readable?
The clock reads 7.00
